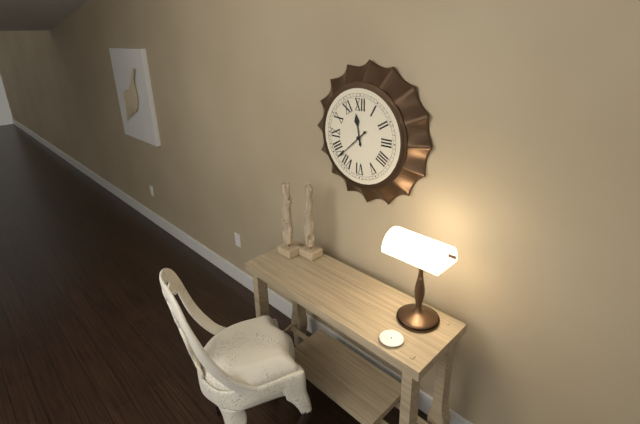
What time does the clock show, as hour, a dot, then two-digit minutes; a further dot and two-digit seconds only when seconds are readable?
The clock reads 11.38
